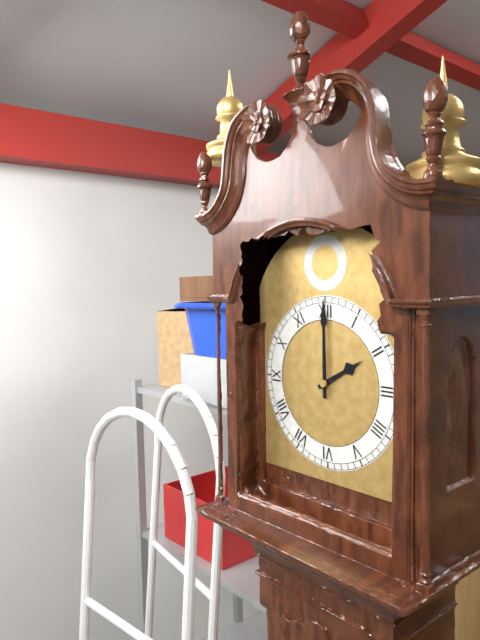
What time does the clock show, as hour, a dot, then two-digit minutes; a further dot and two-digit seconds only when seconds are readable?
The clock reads 2.00
